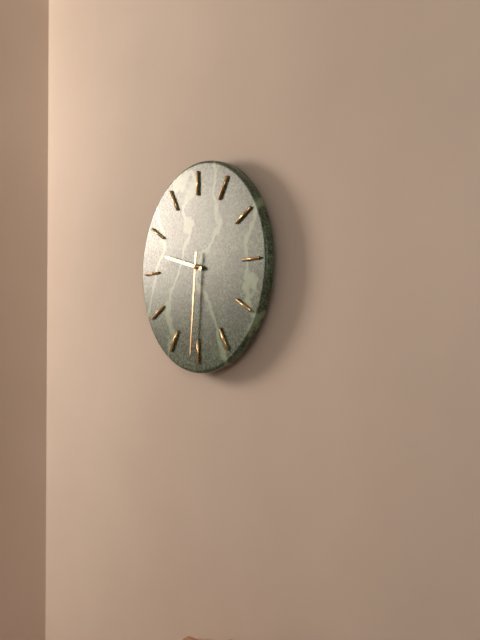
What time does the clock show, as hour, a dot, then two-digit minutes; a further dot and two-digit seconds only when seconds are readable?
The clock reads 9.31
